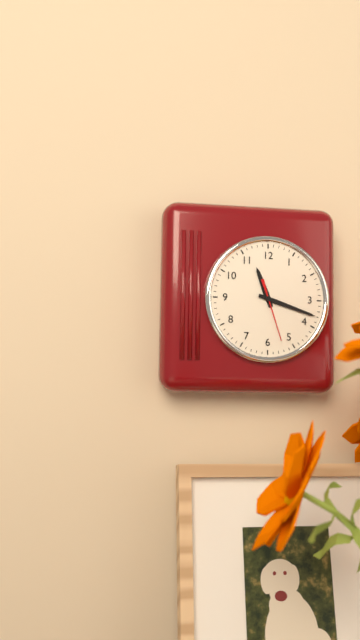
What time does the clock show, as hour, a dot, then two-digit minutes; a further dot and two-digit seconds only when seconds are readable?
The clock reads 11.18.27
